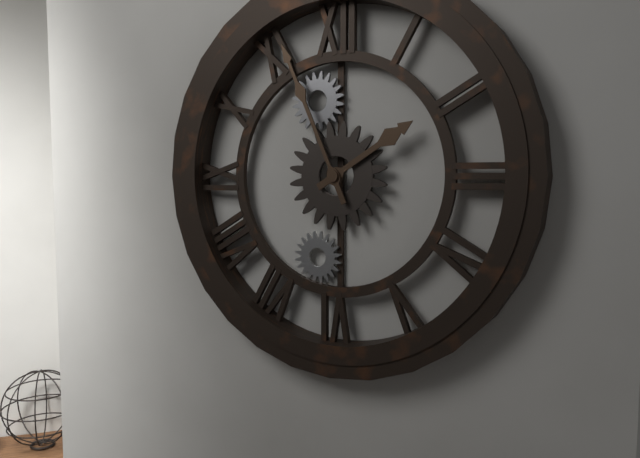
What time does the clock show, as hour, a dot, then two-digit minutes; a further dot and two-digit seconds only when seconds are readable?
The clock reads 1.56
